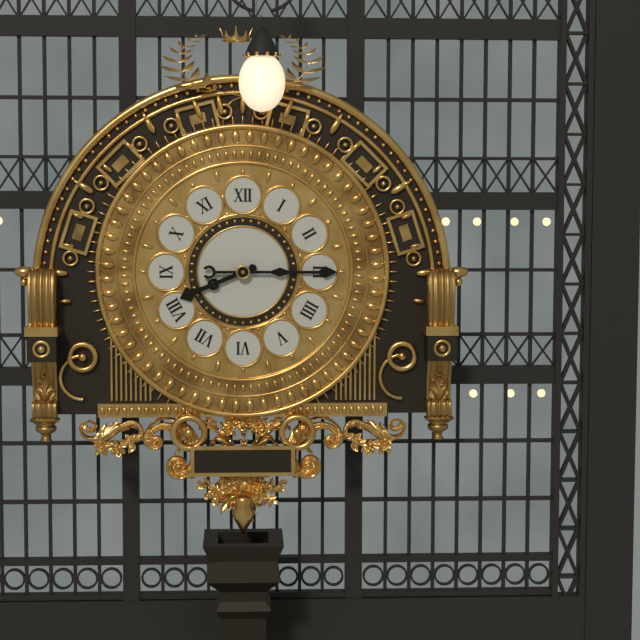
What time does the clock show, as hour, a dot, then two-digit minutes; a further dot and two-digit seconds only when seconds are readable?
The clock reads 8.15
